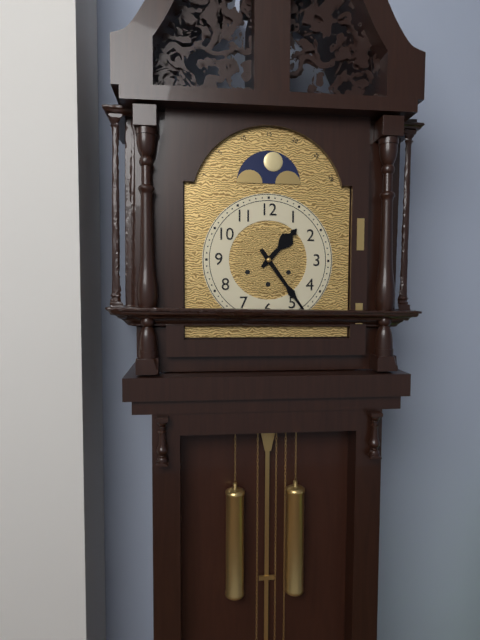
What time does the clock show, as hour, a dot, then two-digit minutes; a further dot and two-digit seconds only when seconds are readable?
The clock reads 1.24
